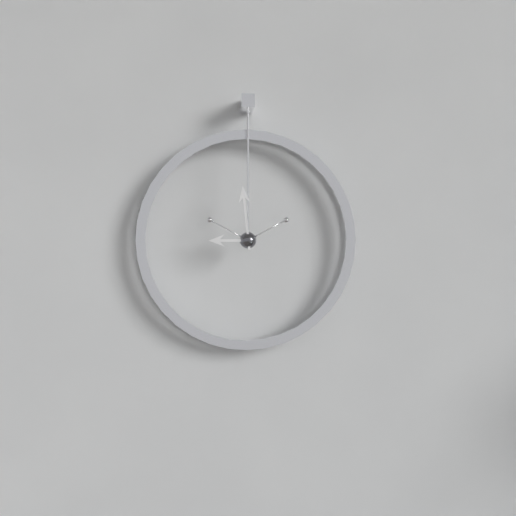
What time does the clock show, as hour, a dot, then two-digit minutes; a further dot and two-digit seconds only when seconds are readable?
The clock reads 8.59
